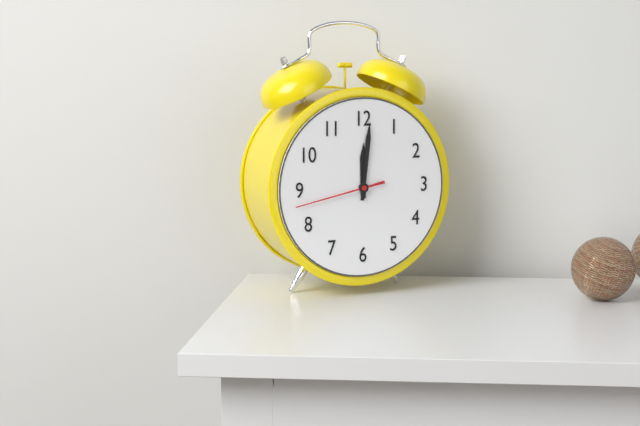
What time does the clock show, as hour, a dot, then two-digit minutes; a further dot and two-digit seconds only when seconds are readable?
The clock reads 12.01.43
